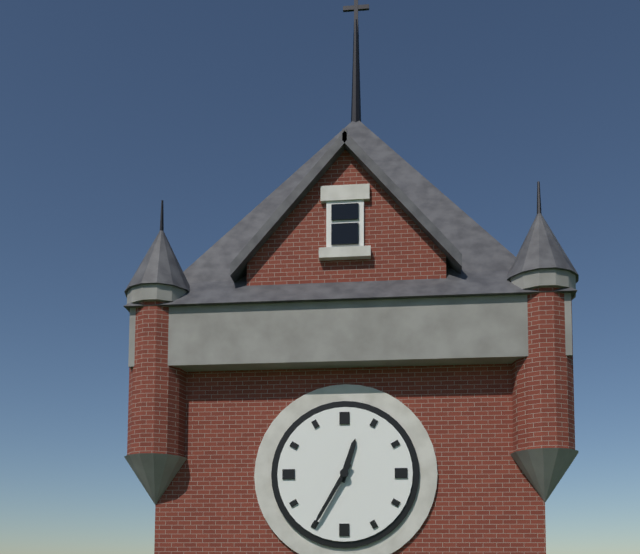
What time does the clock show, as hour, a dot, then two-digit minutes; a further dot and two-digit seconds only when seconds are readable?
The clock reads 12.35
